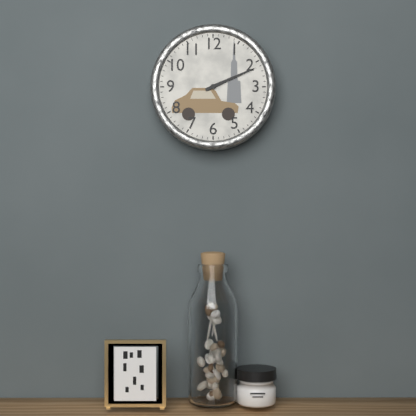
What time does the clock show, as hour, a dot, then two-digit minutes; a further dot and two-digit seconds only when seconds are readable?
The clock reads 2.11
